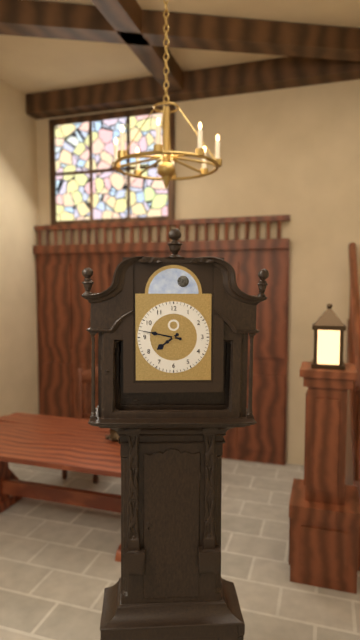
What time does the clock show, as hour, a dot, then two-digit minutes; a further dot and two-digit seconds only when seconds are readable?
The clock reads 7.47
